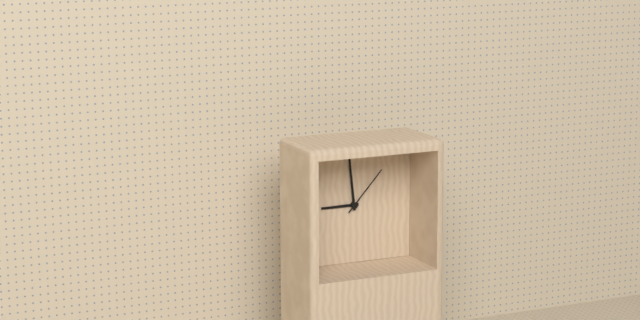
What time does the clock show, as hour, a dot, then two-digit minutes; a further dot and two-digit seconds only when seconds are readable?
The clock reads 8.59.07
